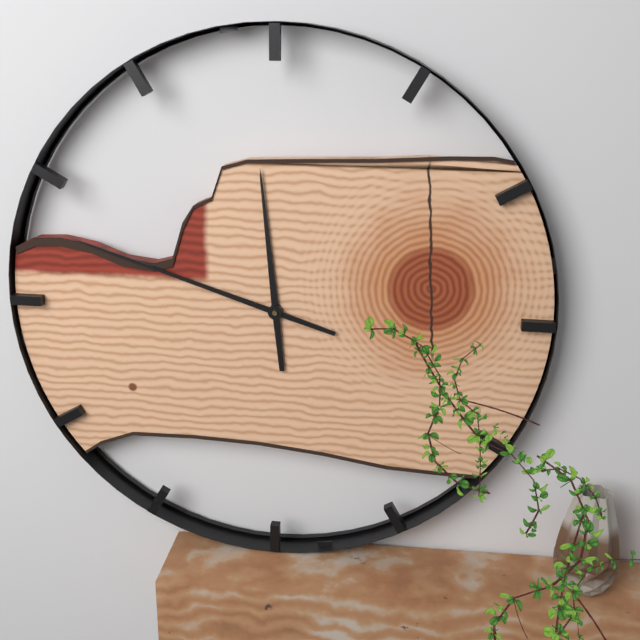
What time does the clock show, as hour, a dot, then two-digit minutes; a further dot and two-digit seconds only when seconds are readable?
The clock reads 11.48
